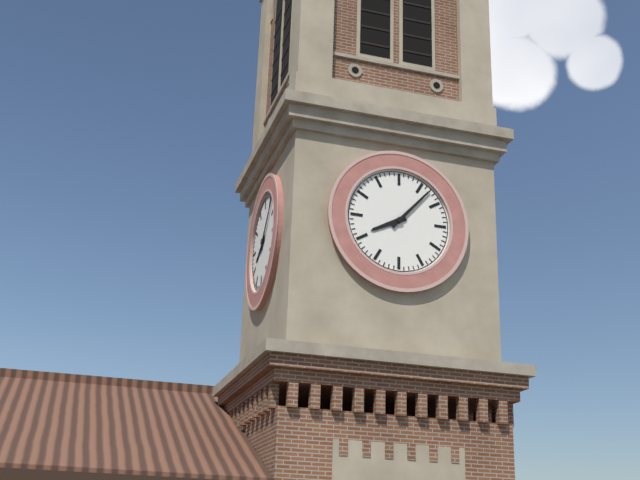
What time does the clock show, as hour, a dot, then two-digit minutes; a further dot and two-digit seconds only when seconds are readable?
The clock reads 8.07
